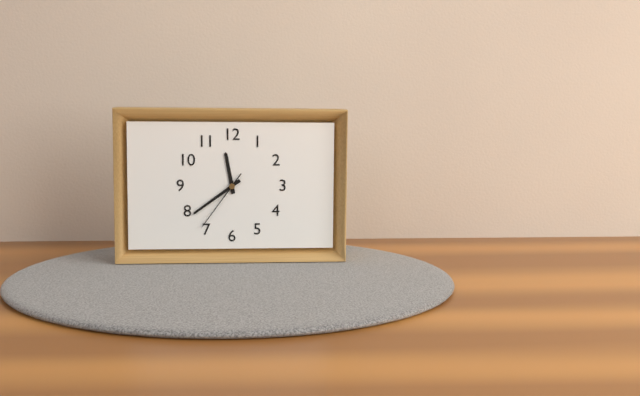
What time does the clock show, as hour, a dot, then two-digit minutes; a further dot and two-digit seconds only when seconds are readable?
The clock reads 11.39.36
